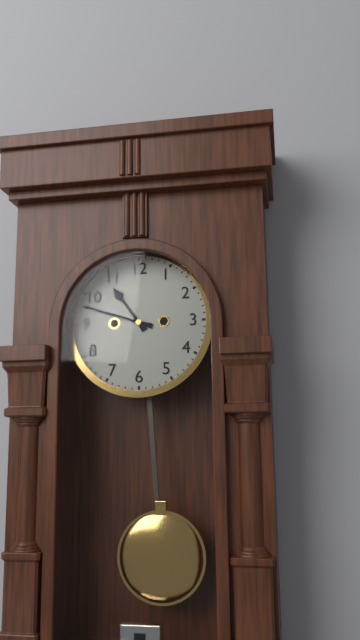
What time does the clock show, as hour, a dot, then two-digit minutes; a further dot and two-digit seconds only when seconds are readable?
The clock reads 10.48
